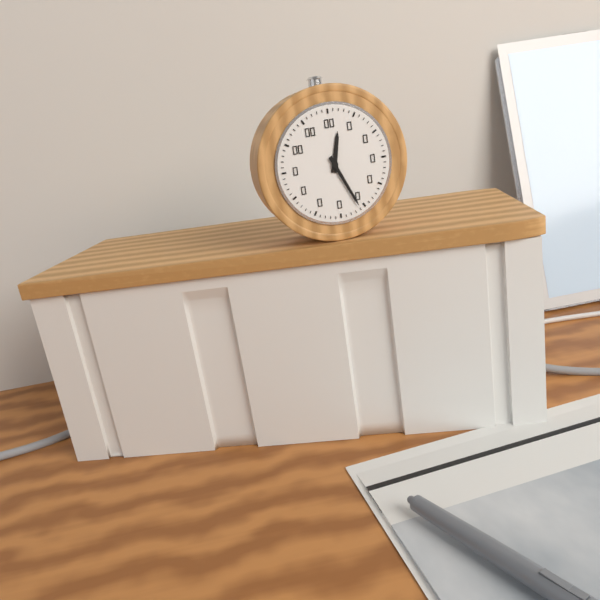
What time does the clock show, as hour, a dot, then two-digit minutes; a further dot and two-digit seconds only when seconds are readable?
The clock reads 12.26
